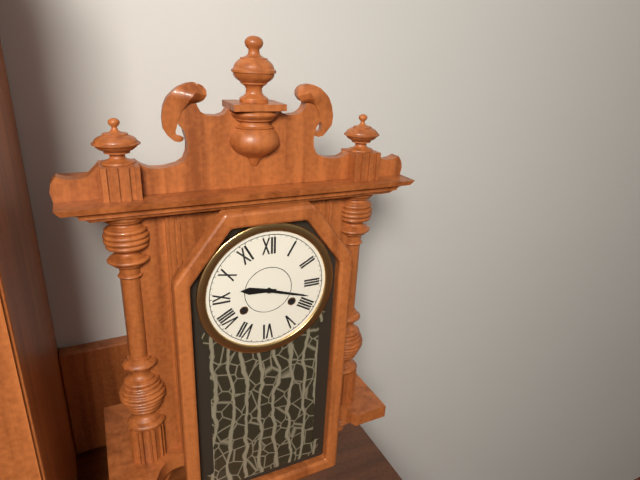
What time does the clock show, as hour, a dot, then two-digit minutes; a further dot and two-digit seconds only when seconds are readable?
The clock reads 9.18
